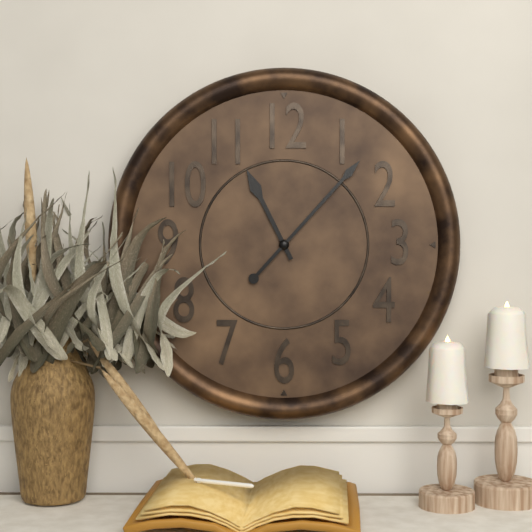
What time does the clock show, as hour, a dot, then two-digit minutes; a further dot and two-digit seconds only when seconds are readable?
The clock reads 11.07
